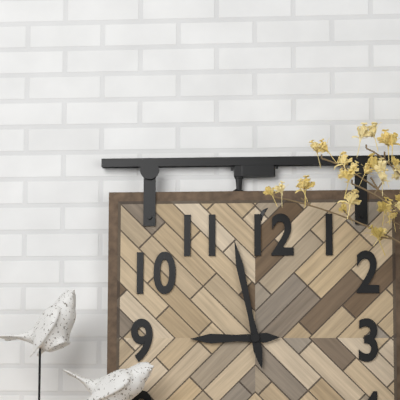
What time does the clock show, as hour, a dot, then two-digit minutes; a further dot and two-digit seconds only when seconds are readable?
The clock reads 8.58
